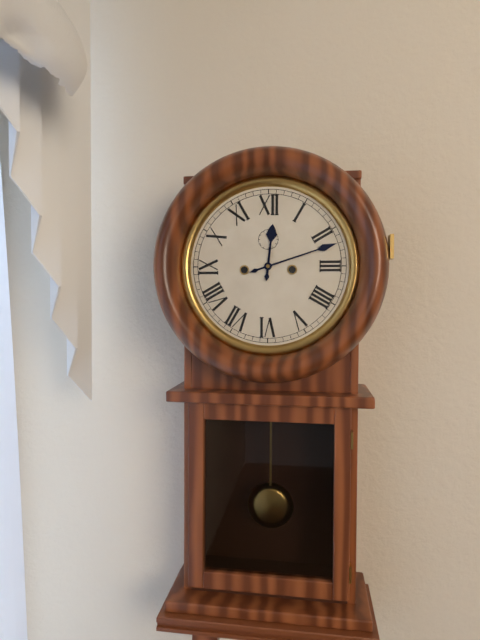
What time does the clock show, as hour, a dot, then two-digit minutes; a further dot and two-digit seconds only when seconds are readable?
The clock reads 12.12
